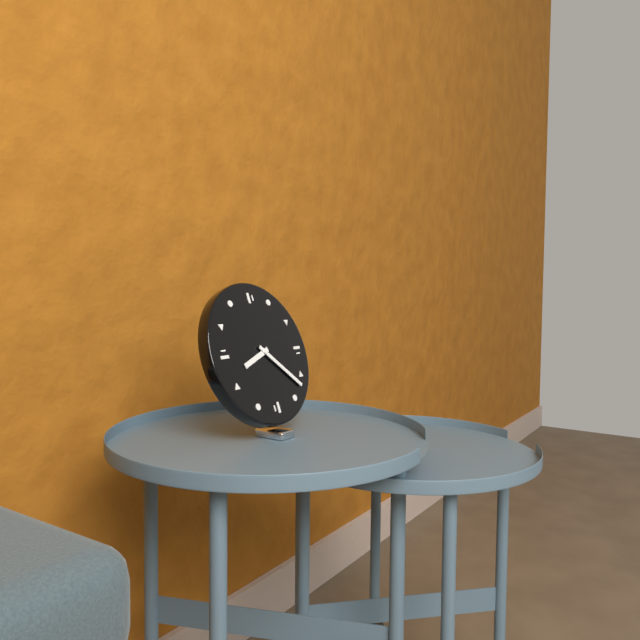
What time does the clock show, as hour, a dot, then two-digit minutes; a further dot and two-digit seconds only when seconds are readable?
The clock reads 8.22
